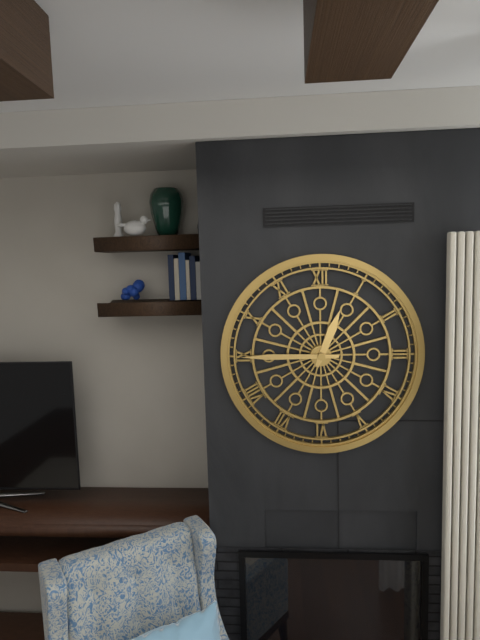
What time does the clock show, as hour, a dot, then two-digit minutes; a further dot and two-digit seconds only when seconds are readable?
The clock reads 12.45
